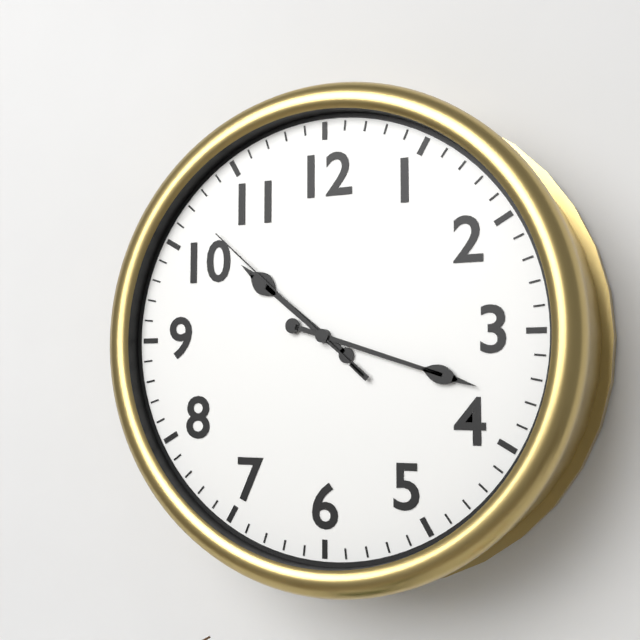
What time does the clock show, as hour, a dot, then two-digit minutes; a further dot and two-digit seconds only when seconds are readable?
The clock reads 10.18.52
